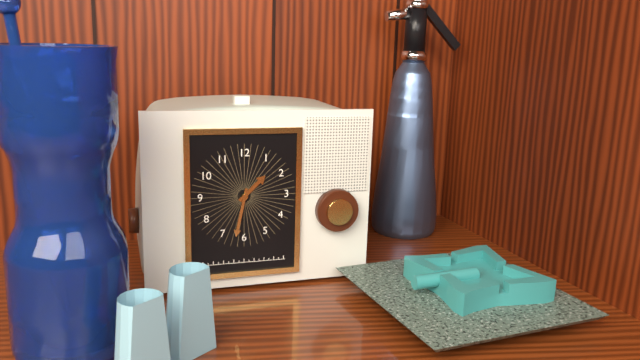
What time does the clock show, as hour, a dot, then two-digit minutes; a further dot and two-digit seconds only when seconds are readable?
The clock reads 1.32
